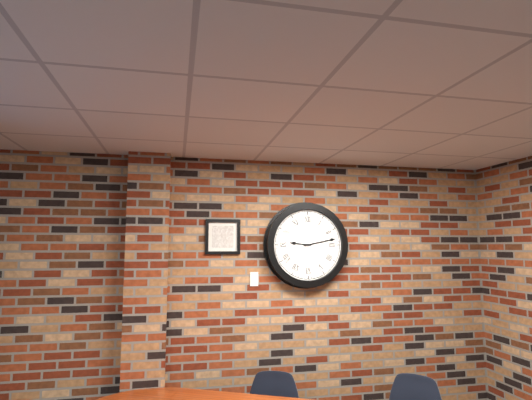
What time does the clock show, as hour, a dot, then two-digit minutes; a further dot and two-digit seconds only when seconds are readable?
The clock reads 9.13
